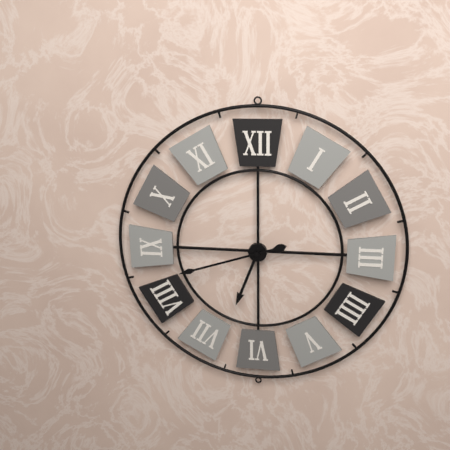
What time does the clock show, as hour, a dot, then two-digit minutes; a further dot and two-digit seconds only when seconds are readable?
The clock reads 6.42
